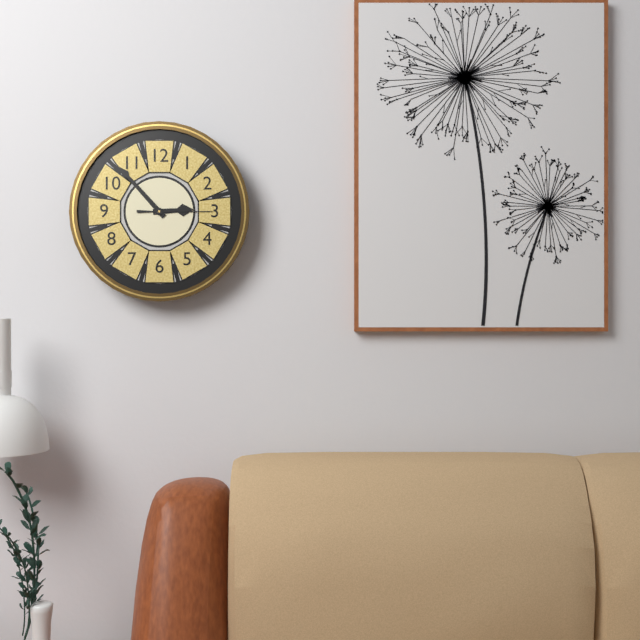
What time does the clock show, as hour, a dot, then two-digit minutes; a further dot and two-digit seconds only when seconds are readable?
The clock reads 2.53.15
